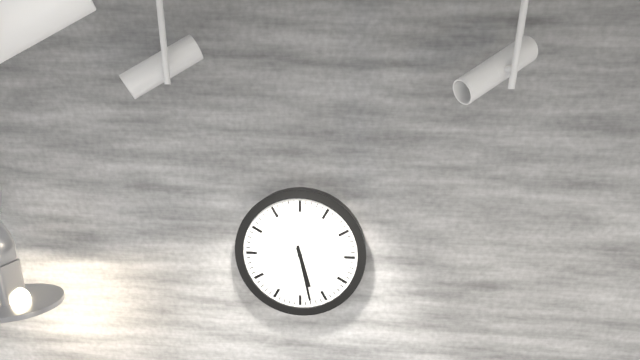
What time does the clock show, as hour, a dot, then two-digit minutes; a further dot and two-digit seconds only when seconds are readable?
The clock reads 5.28
